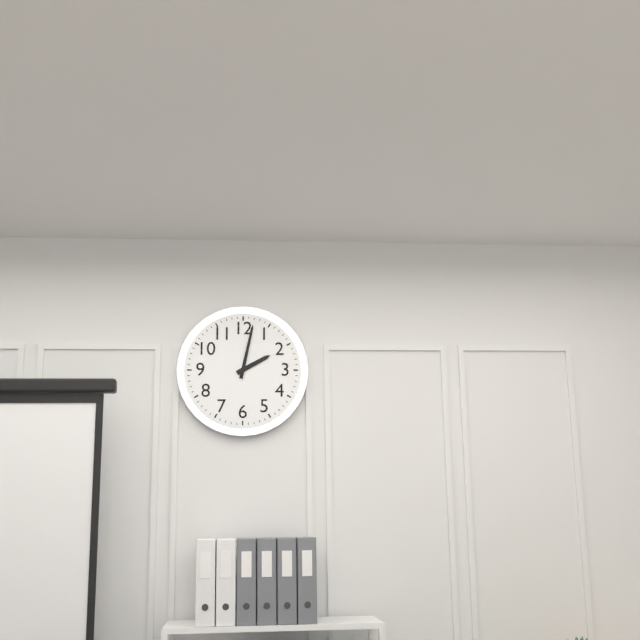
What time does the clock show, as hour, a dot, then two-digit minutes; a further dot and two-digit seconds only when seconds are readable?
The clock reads 2.02
